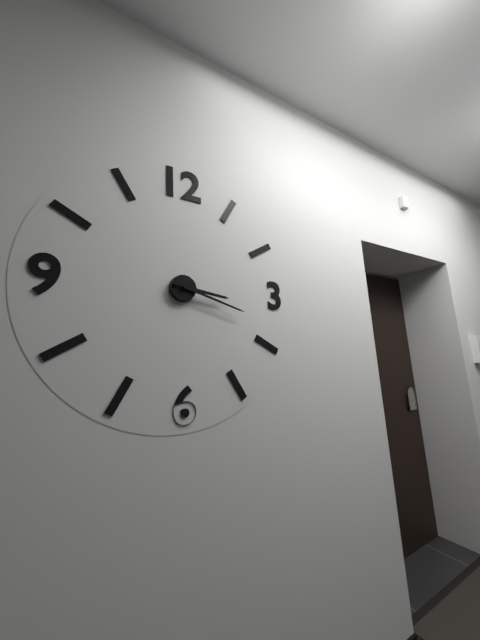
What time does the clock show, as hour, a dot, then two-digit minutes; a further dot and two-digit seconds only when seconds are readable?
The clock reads 3.18
